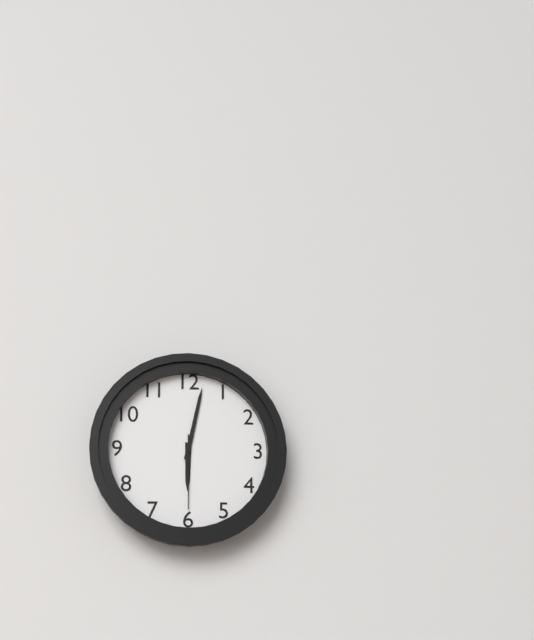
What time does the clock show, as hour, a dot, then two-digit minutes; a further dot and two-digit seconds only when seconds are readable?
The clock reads 6.02.30
